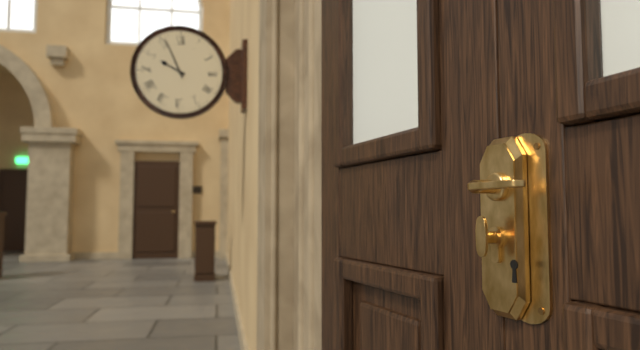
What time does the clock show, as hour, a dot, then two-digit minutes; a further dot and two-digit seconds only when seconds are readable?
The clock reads 9.56
